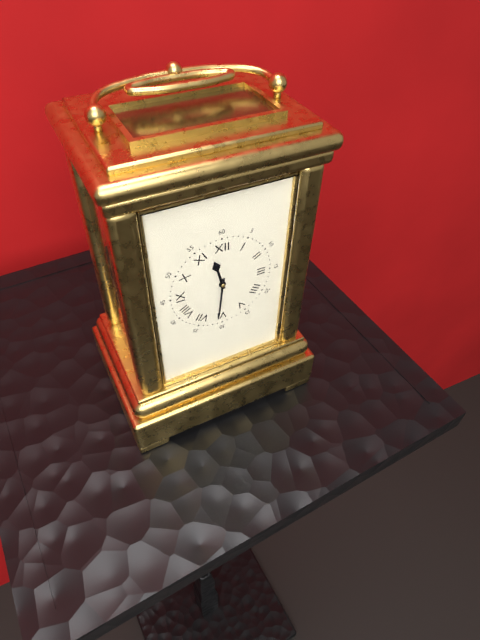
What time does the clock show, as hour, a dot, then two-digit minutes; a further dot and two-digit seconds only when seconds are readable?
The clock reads 11.31
